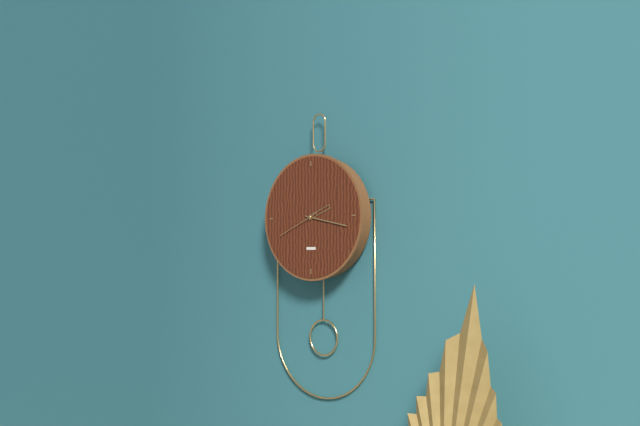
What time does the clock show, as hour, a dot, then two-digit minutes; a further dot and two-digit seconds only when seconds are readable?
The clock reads 2.17
